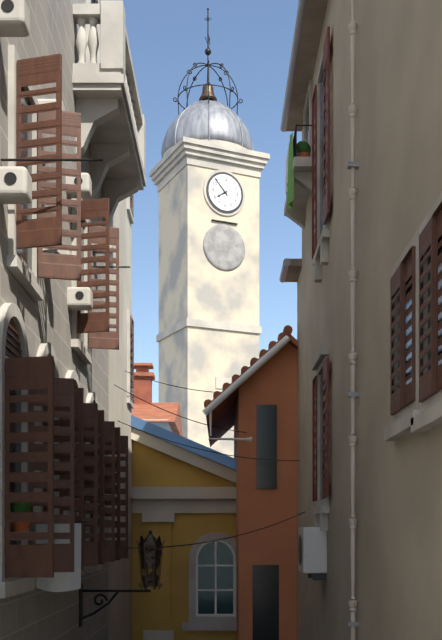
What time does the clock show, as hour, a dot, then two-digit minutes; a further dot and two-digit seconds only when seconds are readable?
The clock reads 7.53
